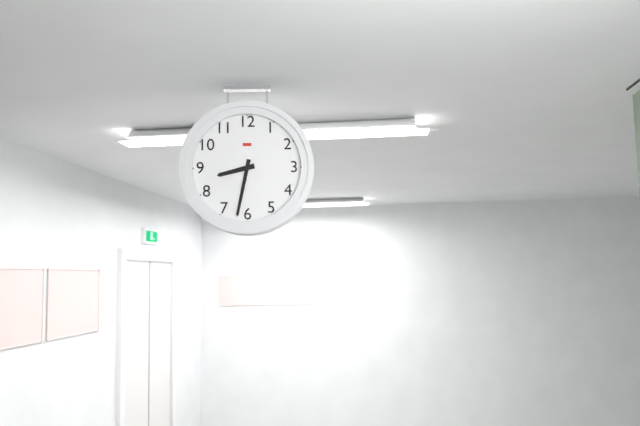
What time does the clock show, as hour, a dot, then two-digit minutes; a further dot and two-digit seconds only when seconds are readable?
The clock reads 8.32
